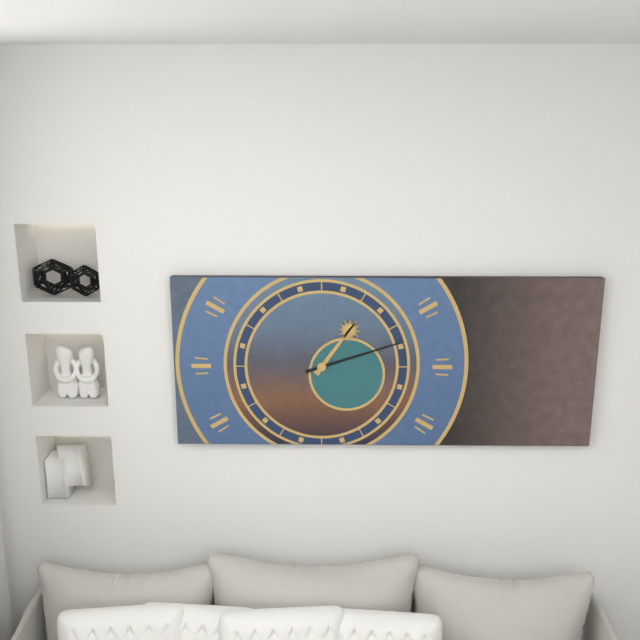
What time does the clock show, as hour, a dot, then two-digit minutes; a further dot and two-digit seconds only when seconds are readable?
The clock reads 1.12
